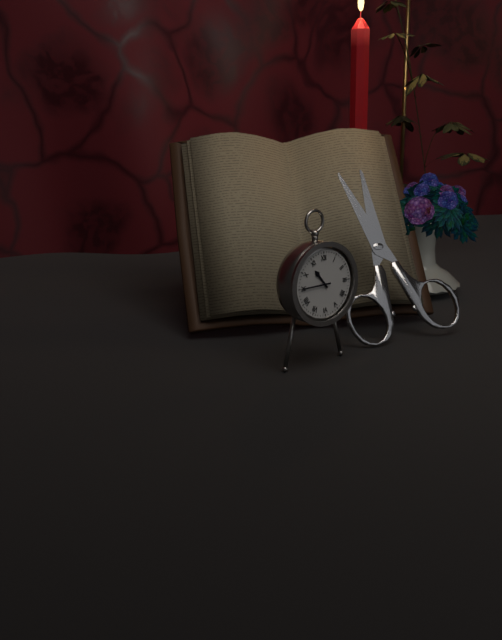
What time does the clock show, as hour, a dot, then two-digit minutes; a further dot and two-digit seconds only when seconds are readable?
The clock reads 10.45
